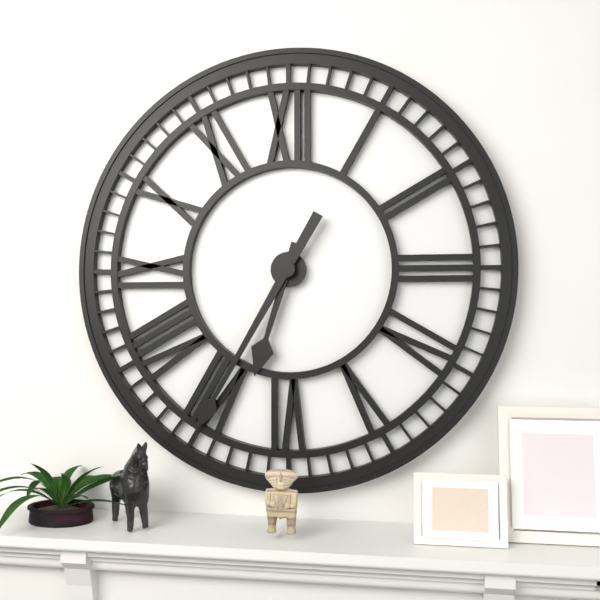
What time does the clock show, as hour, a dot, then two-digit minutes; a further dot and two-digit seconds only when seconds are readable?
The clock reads 6.35
